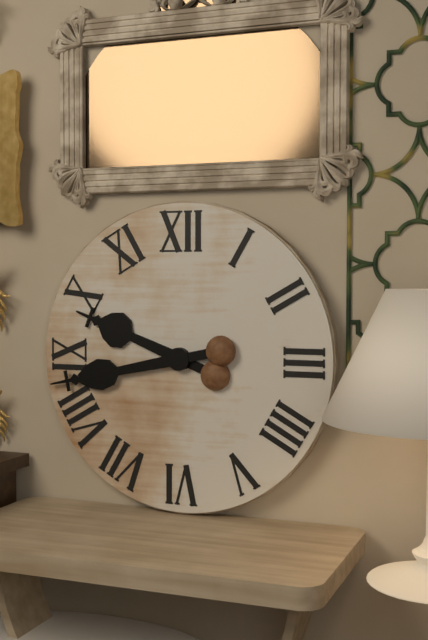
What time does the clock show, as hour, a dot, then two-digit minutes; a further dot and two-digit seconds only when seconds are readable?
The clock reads 9.43
